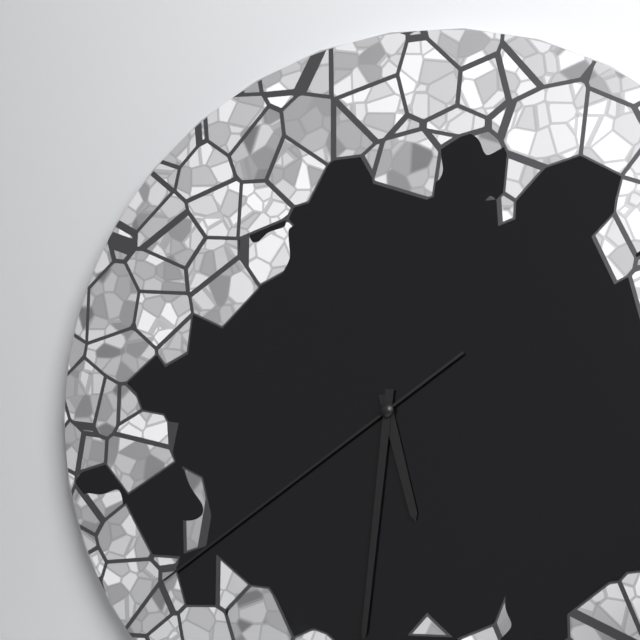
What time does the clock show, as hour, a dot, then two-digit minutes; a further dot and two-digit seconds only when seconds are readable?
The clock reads 5.31.39
